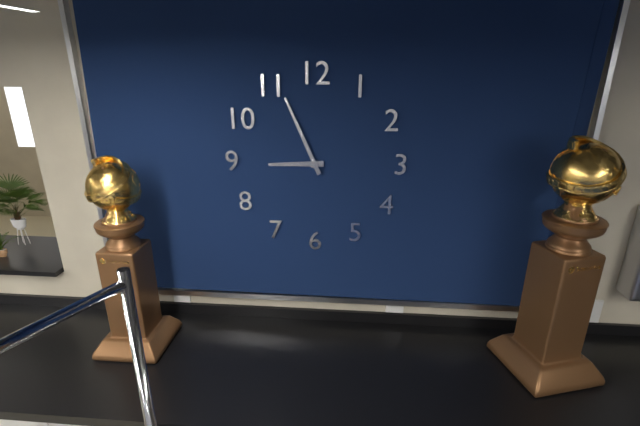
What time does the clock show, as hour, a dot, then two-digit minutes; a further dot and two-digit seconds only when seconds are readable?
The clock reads 8.56
